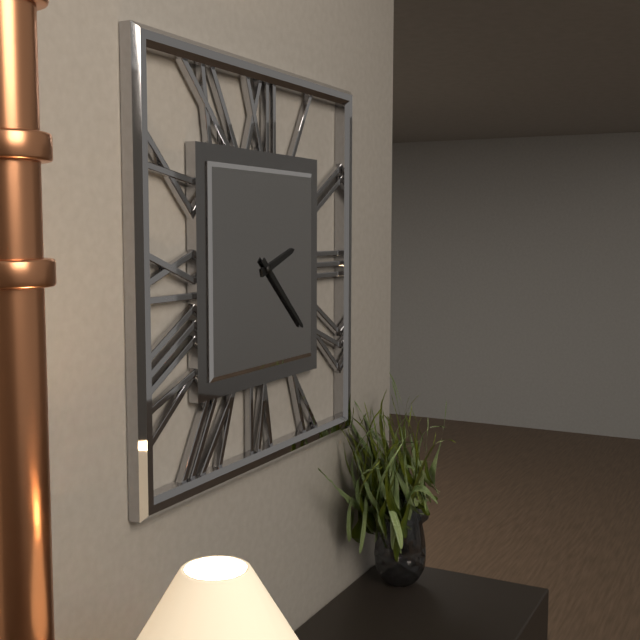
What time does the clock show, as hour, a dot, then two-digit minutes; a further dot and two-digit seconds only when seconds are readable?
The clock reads 2.22
